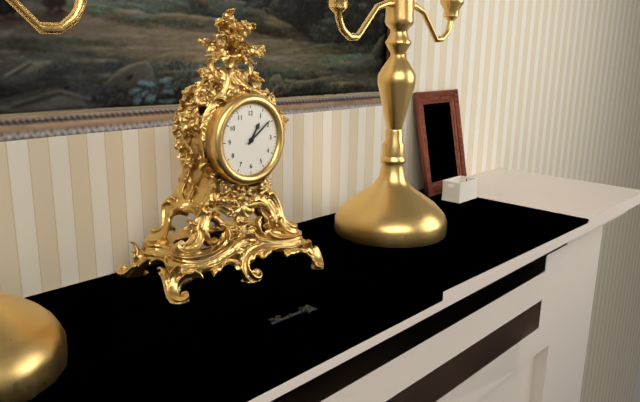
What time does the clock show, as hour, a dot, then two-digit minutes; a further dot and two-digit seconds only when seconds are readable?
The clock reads 1.09
